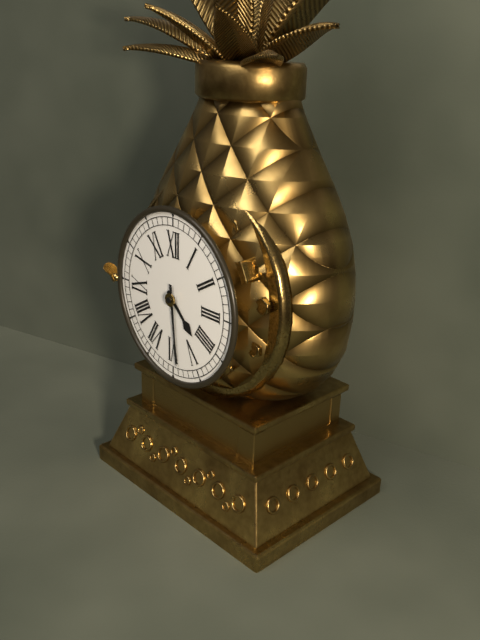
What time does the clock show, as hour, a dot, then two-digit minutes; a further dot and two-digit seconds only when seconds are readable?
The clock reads 4.29
